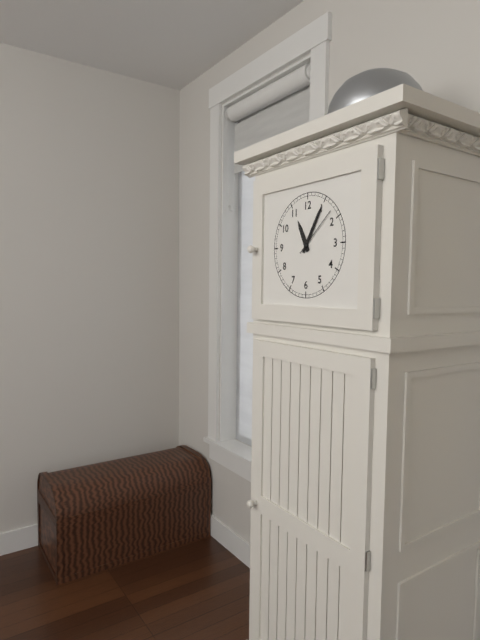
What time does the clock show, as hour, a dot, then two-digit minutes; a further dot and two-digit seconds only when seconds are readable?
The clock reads 11.05.08
